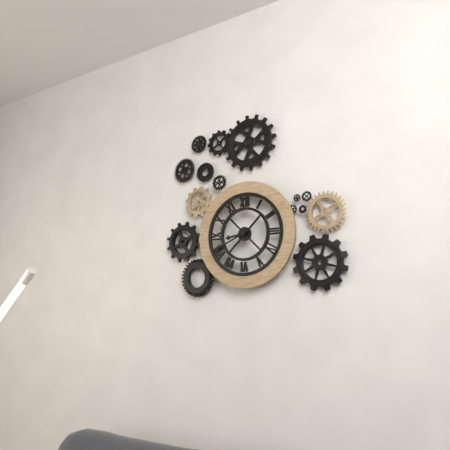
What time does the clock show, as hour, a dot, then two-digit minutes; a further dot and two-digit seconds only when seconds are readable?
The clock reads 8.41
